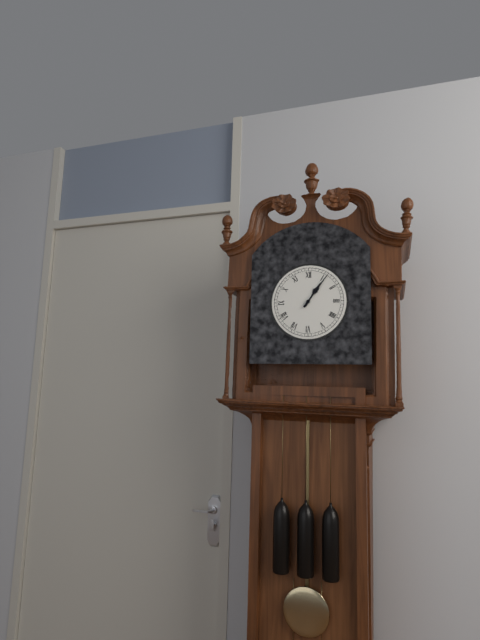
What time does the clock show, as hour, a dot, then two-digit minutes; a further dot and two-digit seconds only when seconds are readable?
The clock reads 1.06
